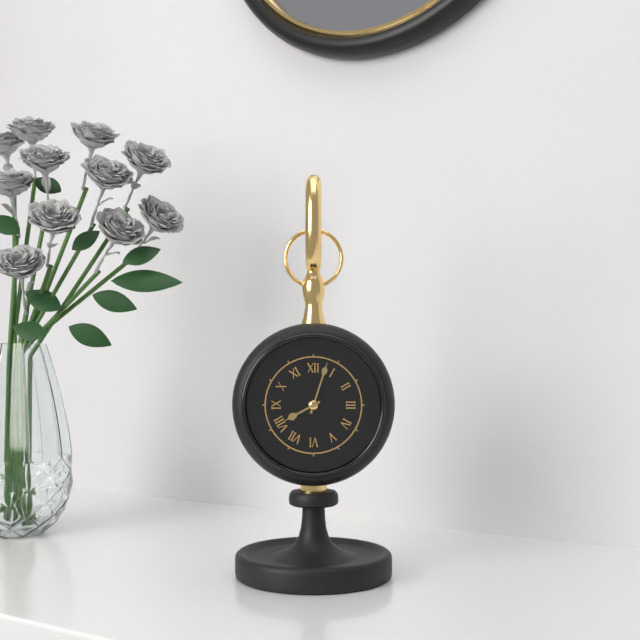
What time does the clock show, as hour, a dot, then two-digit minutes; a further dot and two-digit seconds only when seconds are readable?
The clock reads 8.03
